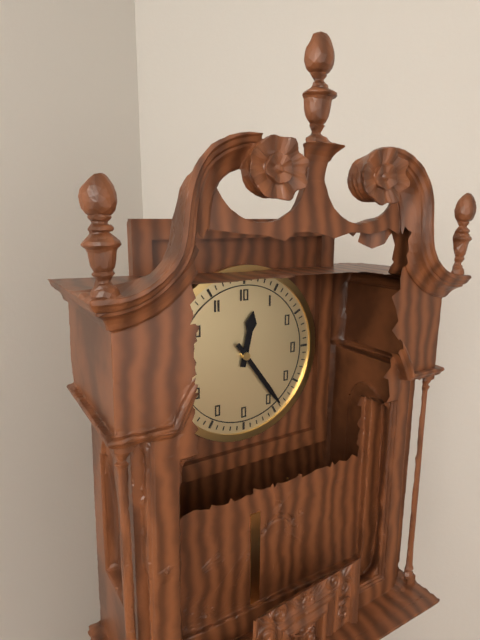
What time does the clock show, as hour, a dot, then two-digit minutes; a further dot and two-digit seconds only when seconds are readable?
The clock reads 12.24
